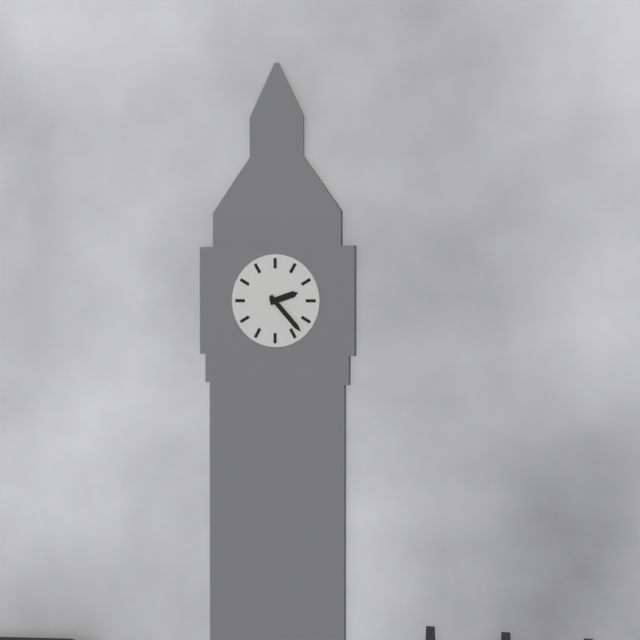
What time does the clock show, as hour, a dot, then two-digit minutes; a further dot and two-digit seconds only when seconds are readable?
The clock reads 2.23
